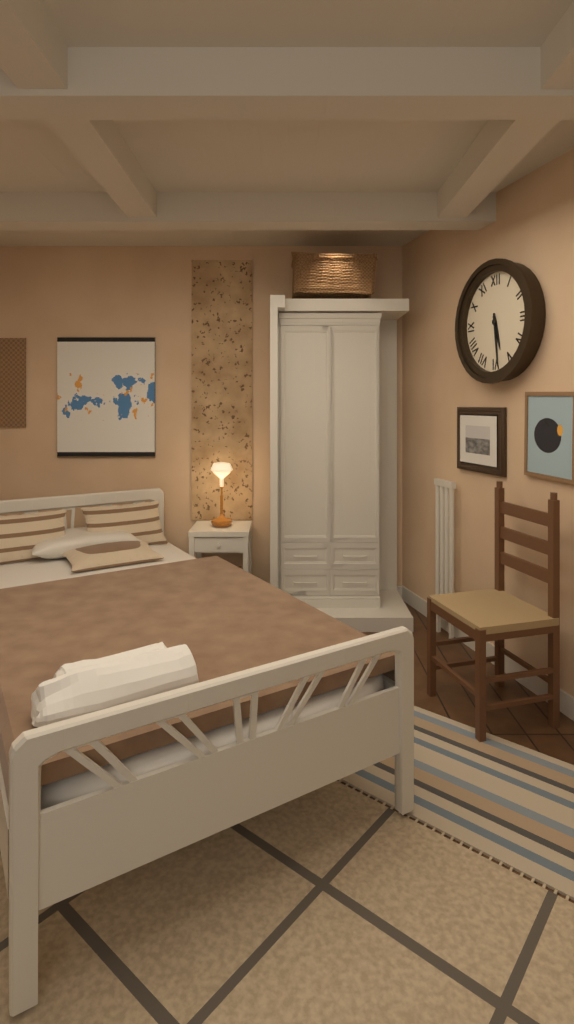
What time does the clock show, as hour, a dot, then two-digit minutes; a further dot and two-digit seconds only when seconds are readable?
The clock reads 5.29
